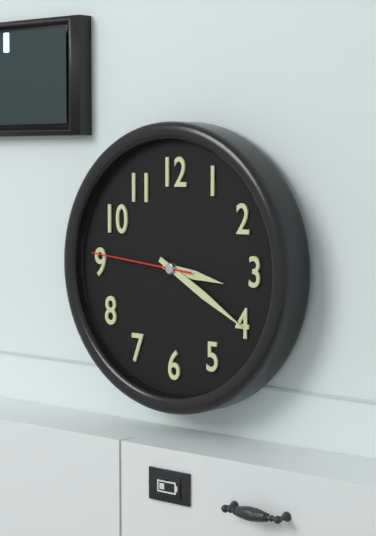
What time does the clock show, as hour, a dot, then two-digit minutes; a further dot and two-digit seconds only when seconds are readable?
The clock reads 3.20.46
